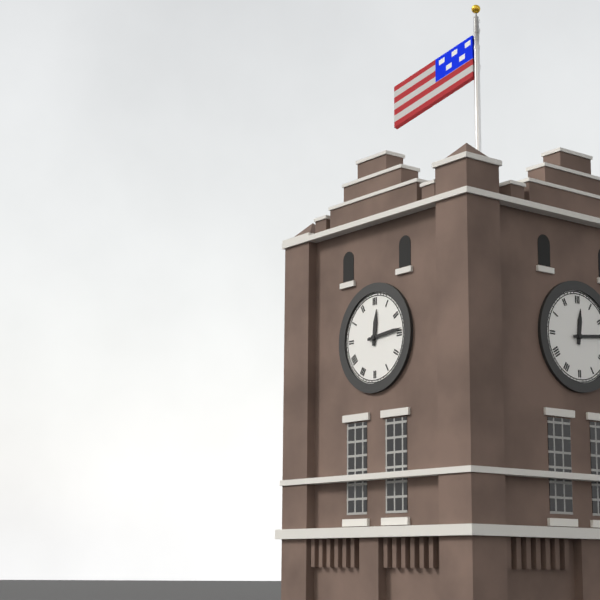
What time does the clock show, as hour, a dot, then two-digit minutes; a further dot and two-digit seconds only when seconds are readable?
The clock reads 12.14
